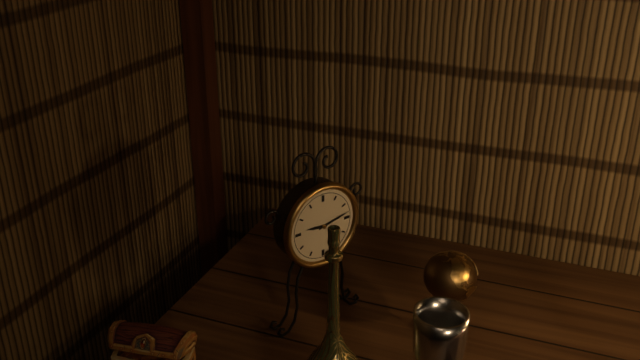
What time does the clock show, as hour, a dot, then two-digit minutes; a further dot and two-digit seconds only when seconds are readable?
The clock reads 9.13
